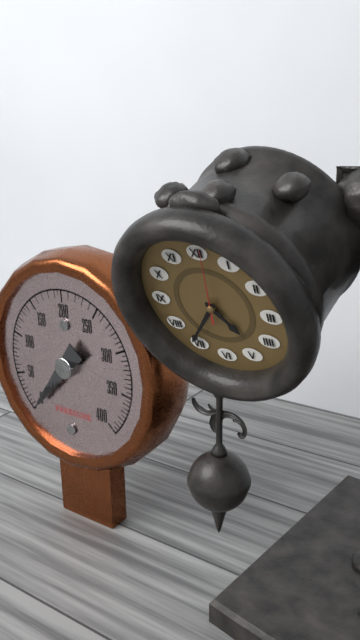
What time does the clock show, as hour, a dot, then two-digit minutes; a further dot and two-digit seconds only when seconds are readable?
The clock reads 4.36.01
